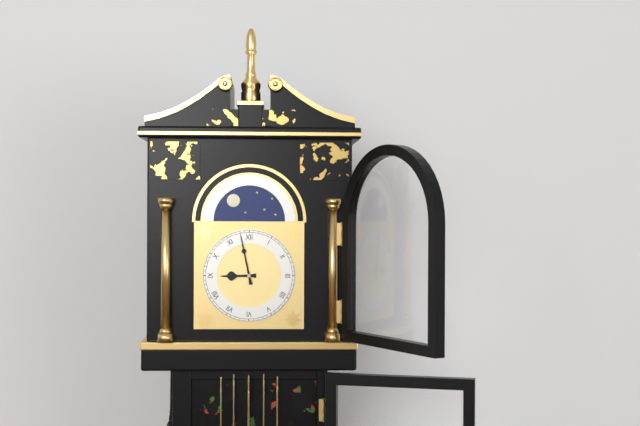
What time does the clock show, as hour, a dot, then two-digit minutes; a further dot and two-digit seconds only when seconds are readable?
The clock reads 8.58
